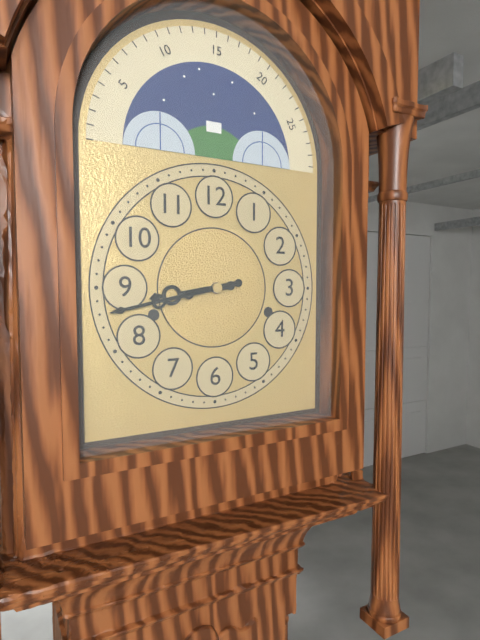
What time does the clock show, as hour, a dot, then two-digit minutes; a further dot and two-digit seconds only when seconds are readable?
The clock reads 8.43
